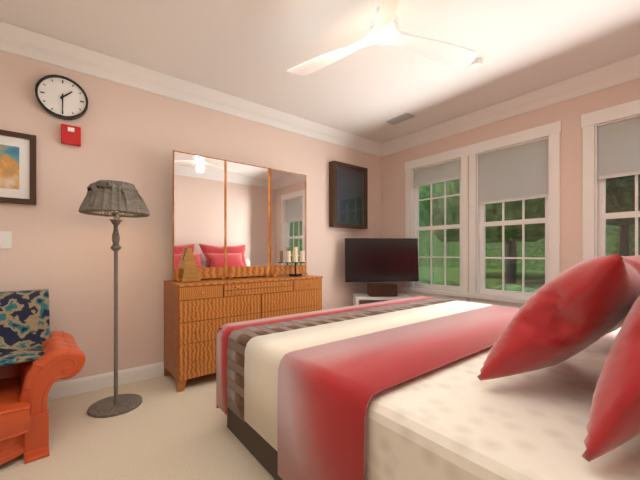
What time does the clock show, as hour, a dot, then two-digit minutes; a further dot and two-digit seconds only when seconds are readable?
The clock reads 1.30
